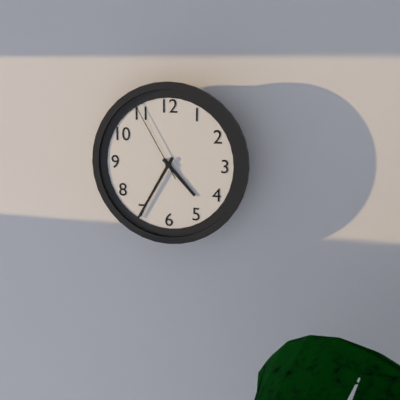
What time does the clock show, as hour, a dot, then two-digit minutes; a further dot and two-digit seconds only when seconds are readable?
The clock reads 4.35.55
